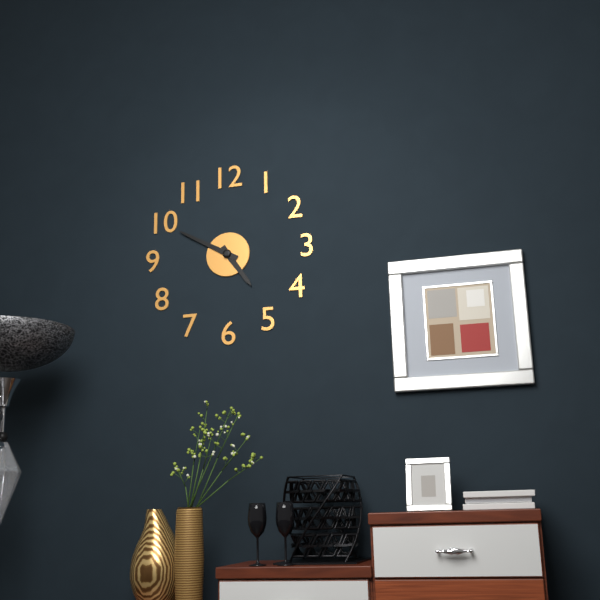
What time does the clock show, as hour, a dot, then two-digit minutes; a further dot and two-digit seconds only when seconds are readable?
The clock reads 4.50
